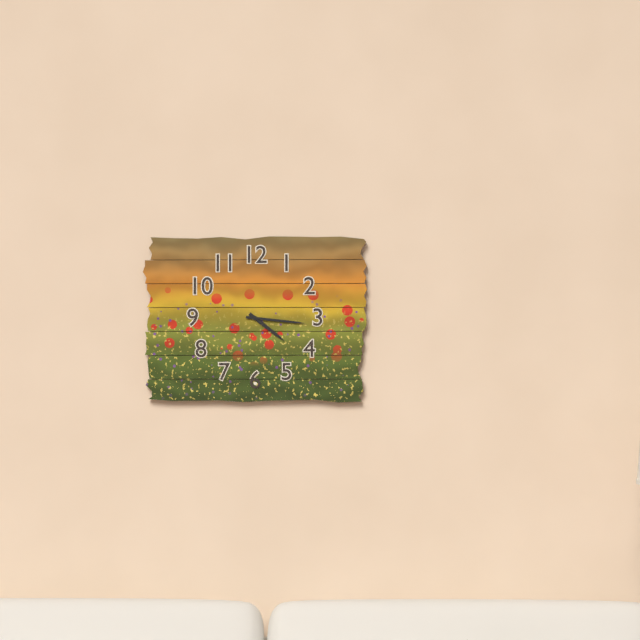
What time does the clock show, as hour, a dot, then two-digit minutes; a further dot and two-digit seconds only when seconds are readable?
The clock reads 4.16
